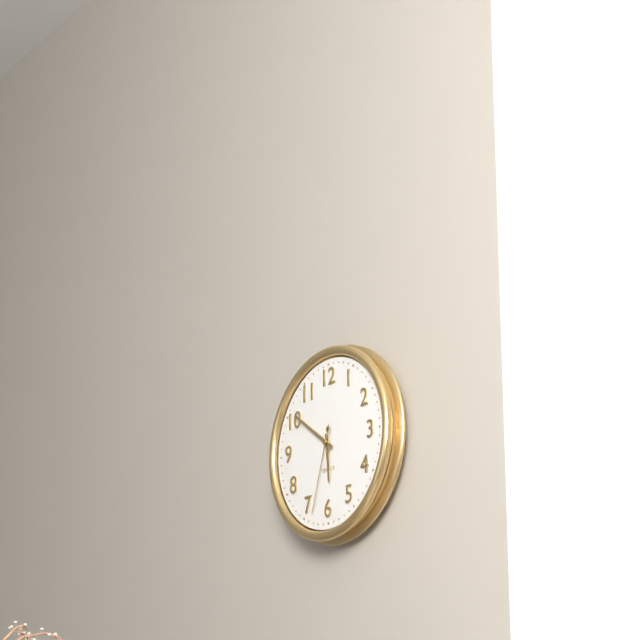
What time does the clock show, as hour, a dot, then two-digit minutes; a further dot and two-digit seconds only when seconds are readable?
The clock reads 5.51.33
